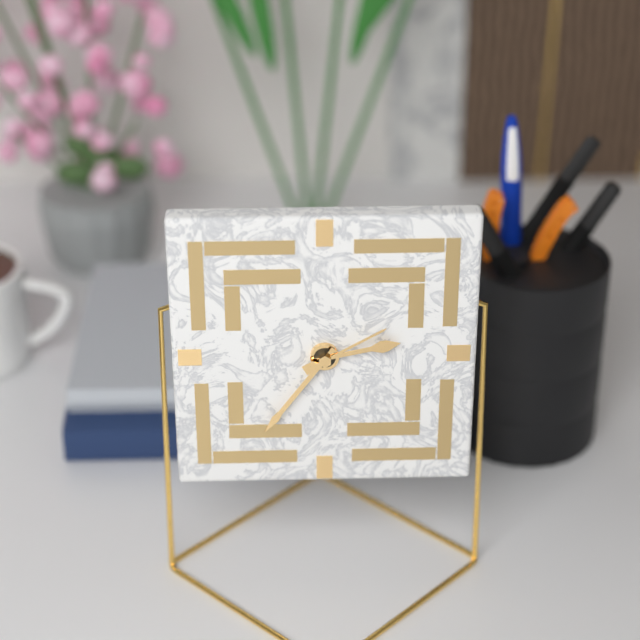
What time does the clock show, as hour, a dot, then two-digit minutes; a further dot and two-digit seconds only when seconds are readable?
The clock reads 2.36.10
